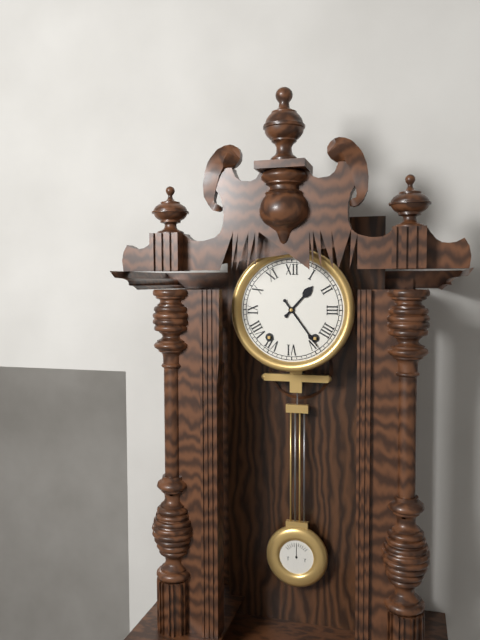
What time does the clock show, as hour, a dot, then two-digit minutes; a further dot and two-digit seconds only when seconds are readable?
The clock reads 1.24
